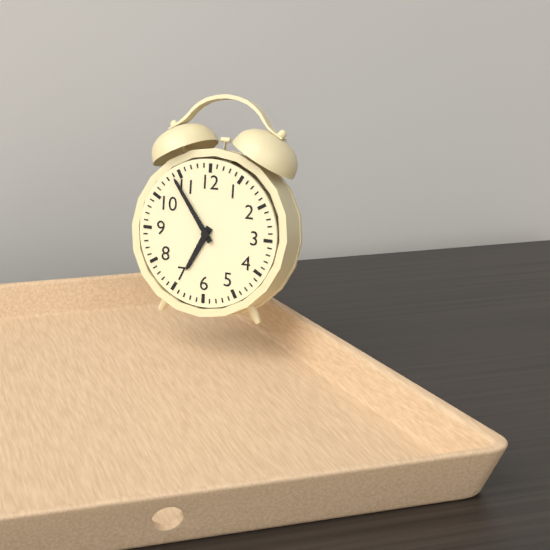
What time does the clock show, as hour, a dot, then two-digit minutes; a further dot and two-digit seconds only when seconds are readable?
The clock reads 6.54
